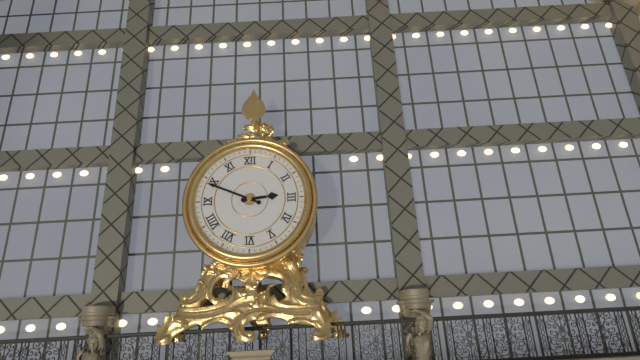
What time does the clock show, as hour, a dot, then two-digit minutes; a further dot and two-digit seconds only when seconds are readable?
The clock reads 2.49
